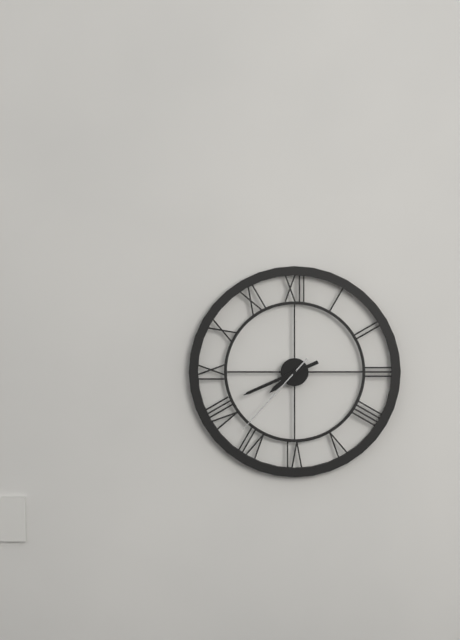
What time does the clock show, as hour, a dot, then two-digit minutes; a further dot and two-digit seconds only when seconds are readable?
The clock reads 7.41.37
